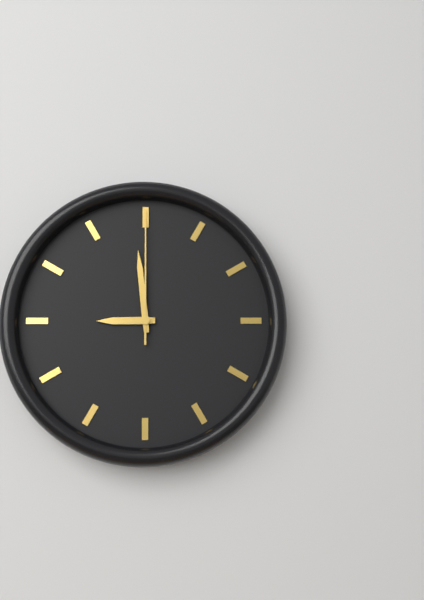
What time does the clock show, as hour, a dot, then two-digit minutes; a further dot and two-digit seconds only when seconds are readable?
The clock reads 8.59.00
